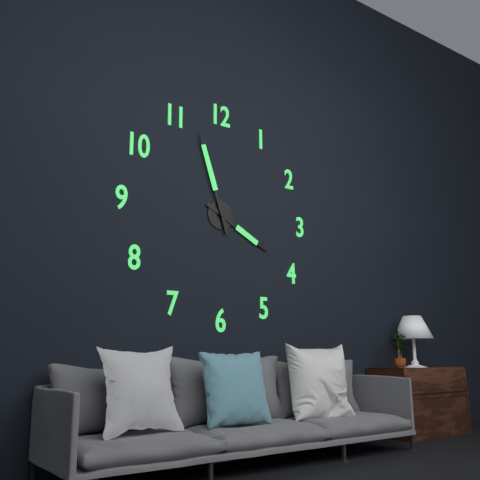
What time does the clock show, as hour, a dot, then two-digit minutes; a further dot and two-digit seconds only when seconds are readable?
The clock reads 3.57
